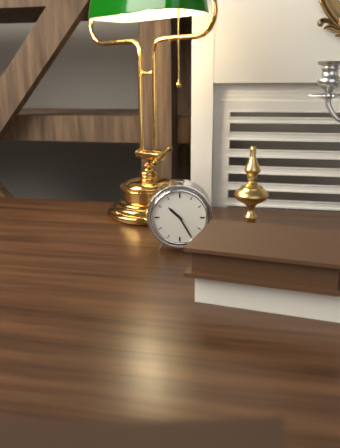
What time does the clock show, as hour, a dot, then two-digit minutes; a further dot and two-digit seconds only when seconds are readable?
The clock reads 10.25
